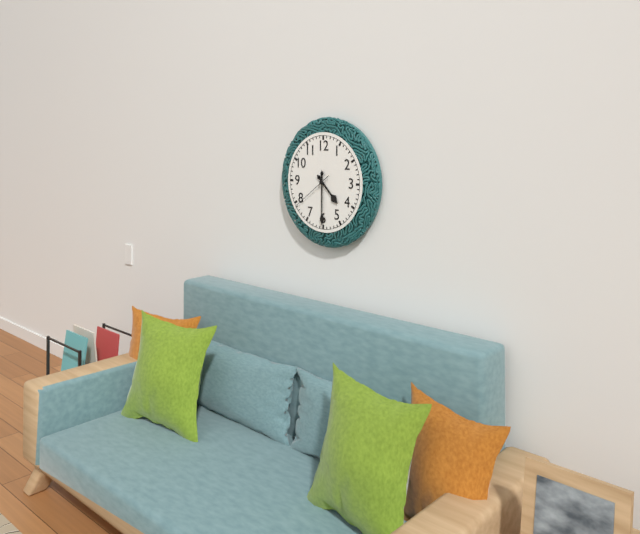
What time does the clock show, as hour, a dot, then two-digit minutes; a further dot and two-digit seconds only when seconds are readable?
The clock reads 4.30
